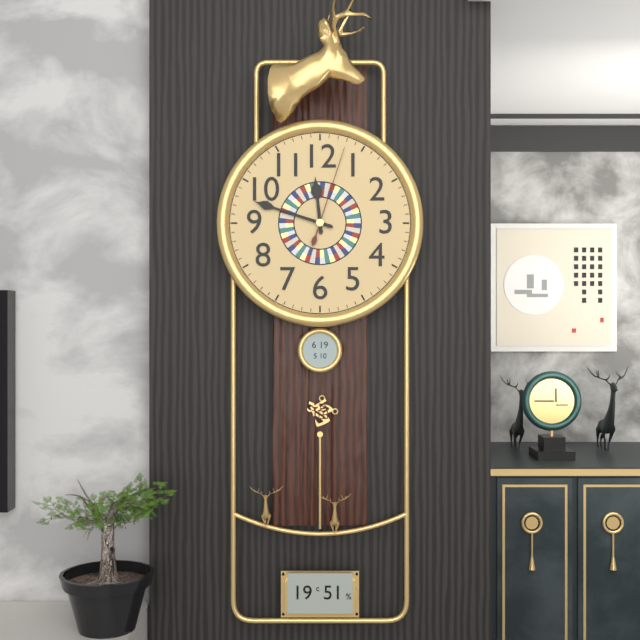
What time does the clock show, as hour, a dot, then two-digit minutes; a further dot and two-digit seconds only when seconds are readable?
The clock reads 11.48.03
